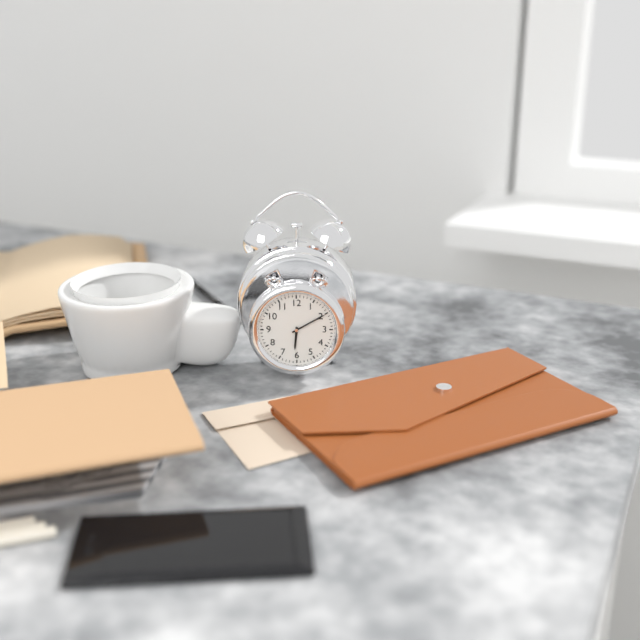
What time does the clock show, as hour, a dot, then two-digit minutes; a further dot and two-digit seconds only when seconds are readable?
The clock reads 6.10
